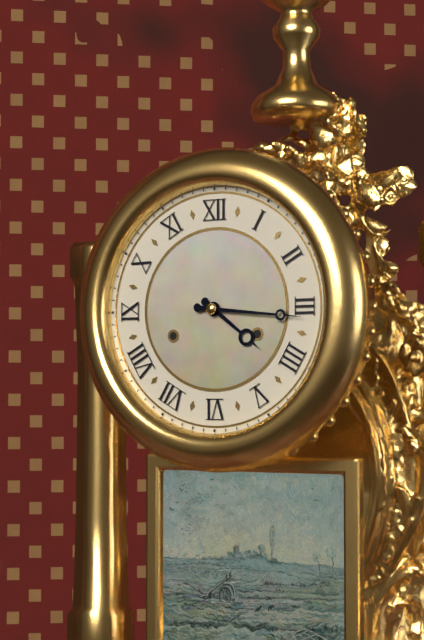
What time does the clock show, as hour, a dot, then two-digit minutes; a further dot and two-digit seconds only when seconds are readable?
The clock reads 4.16
